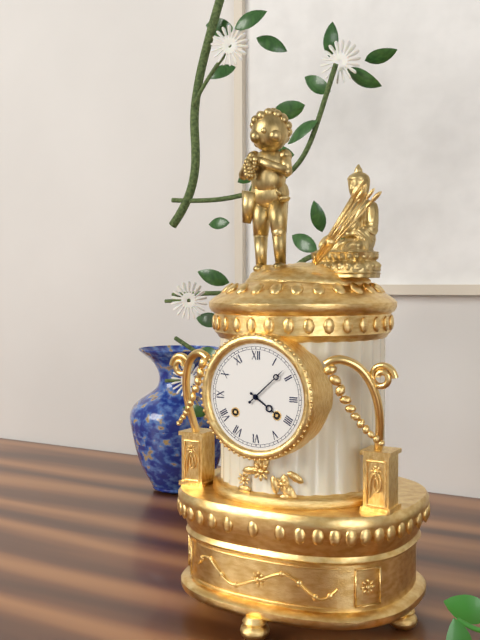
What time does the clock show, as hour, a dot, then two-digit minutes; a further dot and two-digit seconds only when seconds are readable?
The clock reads 4.08
